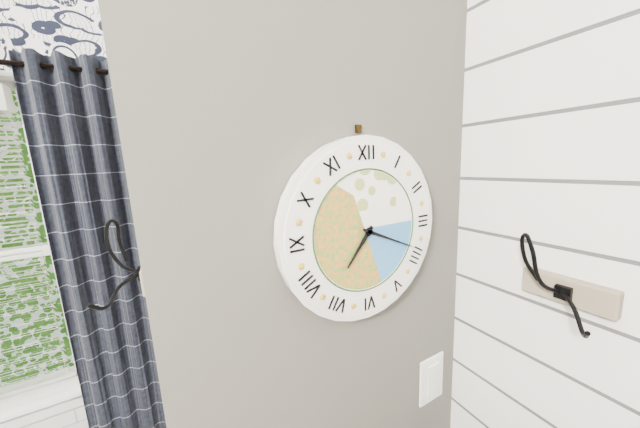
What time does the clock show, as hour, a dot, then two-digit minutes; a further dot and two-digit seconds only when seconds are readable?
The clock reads 7.19
